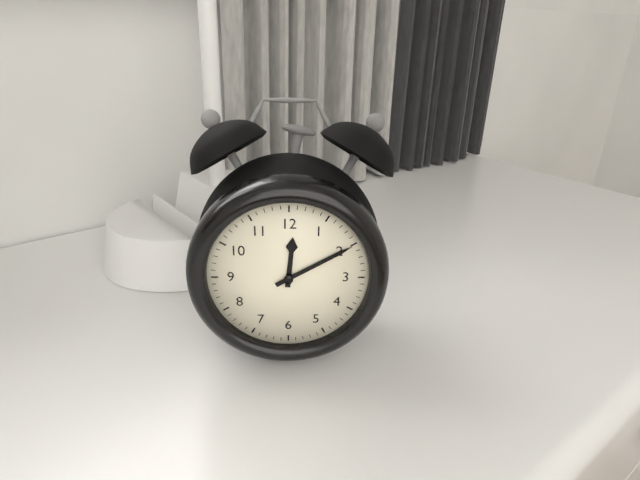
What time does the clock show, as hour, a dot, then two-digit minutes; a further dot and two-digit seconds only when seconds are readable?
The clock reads 12.10
